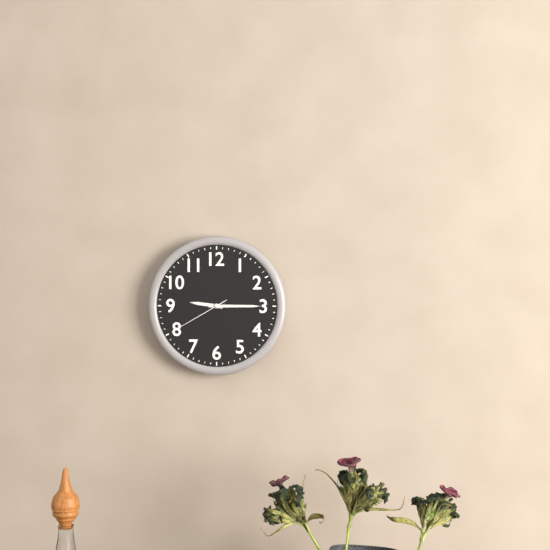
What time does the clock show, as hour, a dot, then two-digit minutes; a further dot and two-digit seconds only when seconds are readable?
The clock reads 9.15.40
